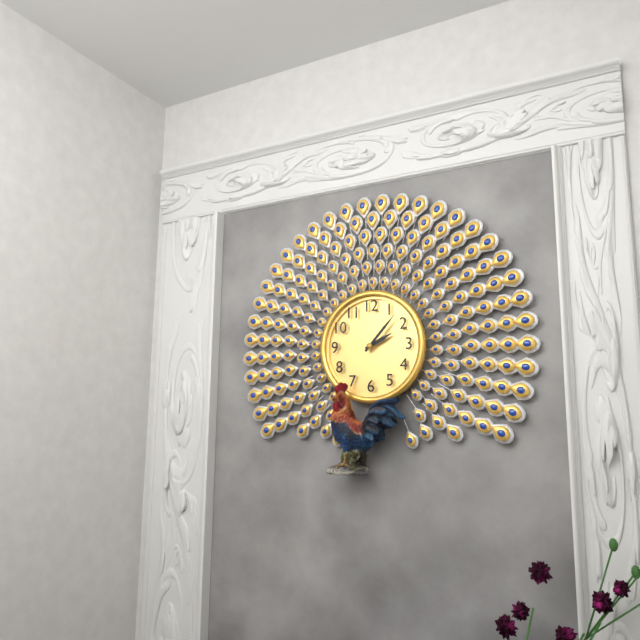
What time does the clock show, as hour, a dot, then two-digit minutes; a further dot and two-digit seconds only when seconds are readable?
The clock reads 2.07
